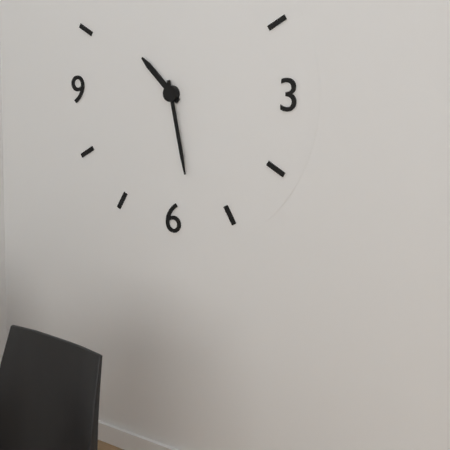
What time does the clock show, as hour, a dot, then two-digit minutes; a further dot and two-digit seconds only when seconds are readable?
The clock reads 10.28
